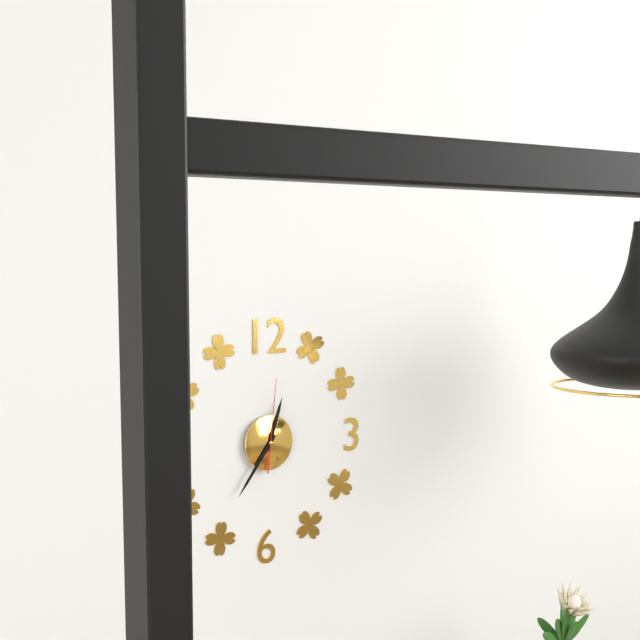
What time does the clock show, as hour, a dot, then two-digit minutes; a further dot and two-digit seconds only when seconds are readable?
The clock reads 12.36.01
